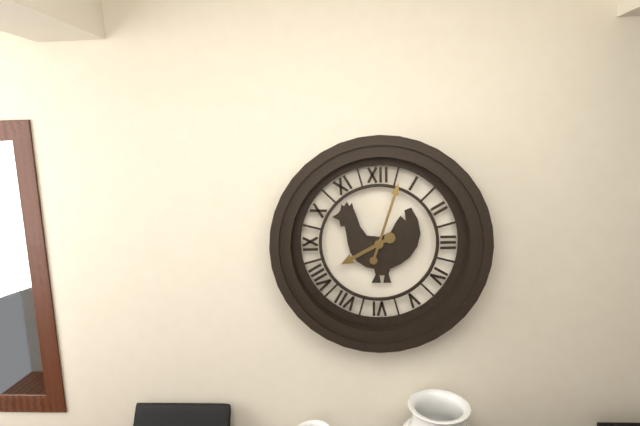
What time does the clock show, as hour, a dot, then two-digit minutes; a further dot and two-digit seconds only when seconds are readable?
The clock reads 8.03
